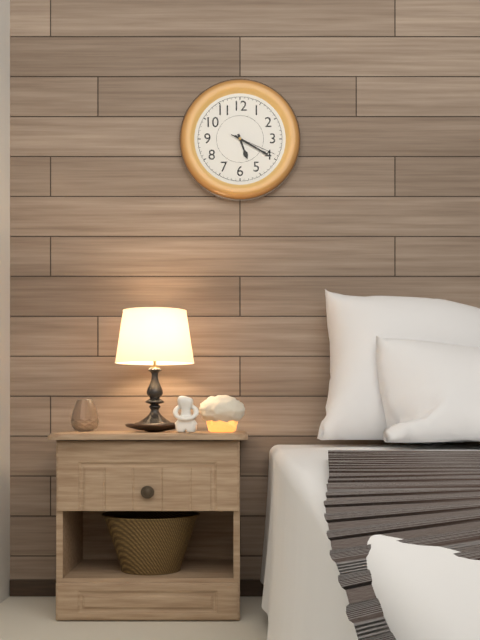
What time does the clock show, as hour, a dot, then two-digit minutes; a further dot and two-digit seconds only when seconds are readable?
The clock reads 5.20
